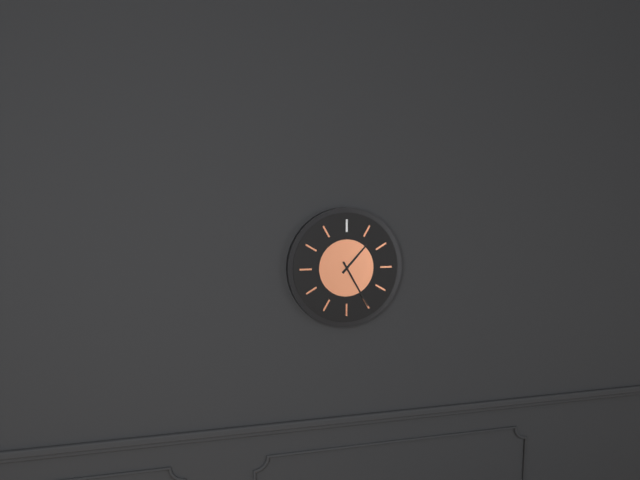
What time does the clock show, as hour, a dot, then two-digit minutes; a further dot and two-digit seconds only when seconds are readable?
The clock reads 1.25
